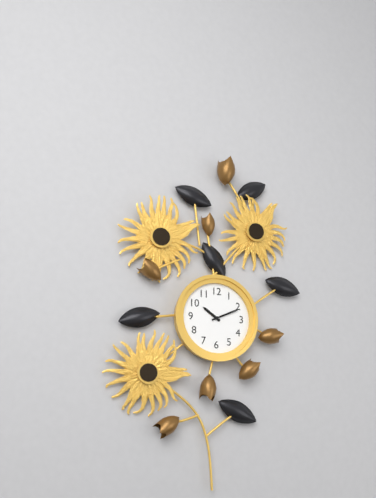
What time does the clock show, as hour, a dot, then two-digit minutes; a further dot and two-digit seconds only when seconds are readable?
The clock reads 10.11
